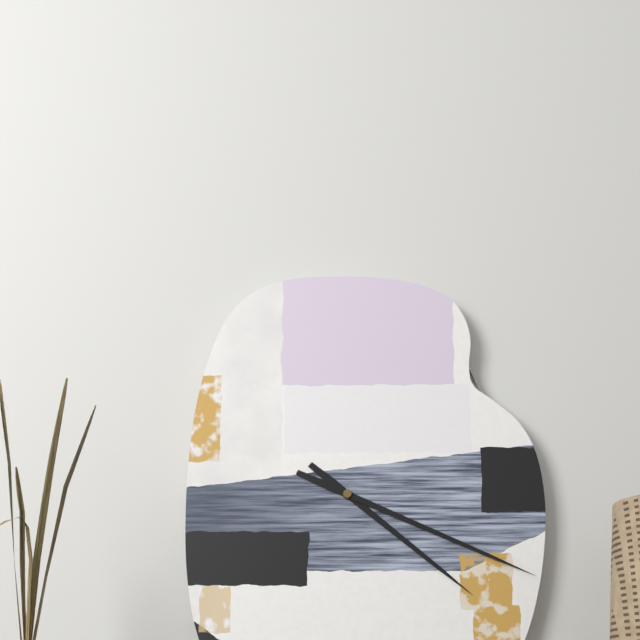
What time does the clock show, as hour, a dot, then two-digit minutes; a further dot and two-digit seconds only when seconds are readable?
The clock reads 4.19
